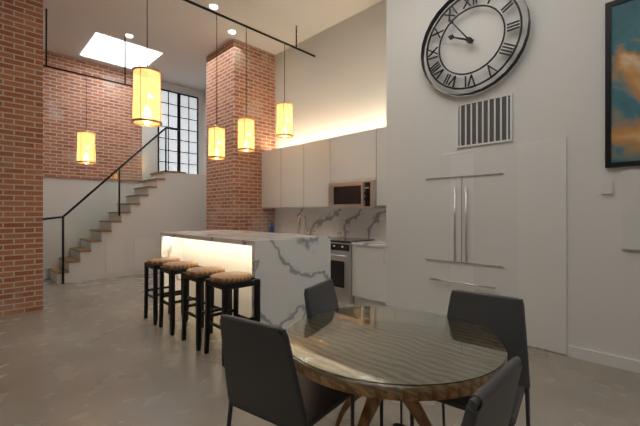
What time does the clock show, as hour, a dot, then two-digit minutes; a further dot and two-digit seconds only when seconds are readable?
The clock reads 9.54
